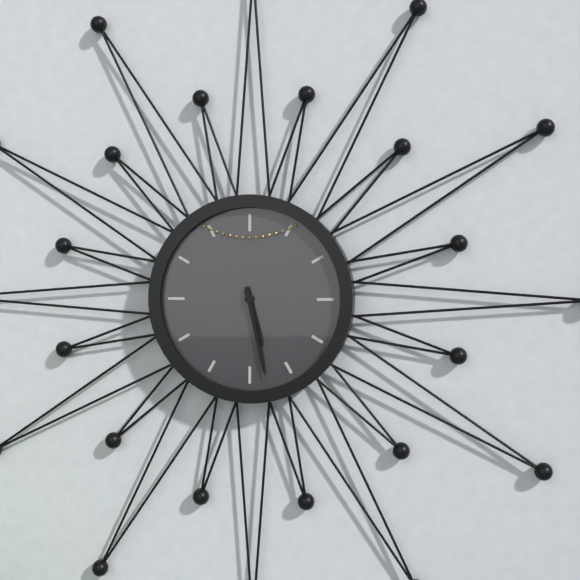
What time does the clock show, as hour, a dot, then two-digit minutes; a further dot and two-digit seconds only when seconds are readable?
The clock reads 5.28
